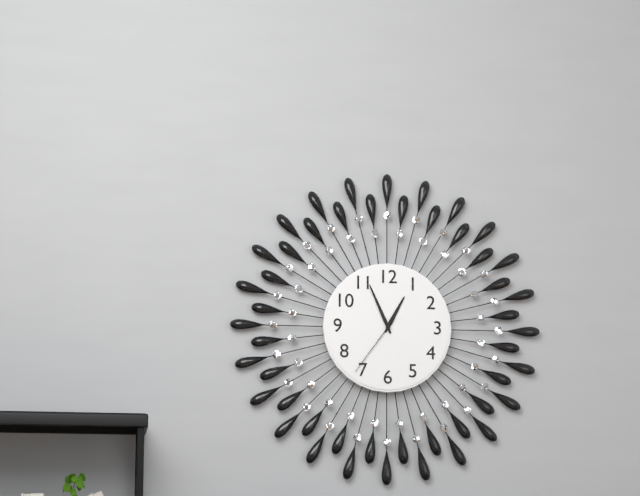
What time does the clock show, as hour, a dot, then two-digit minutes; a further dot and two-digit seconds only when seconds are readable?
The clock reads 12.56.36
